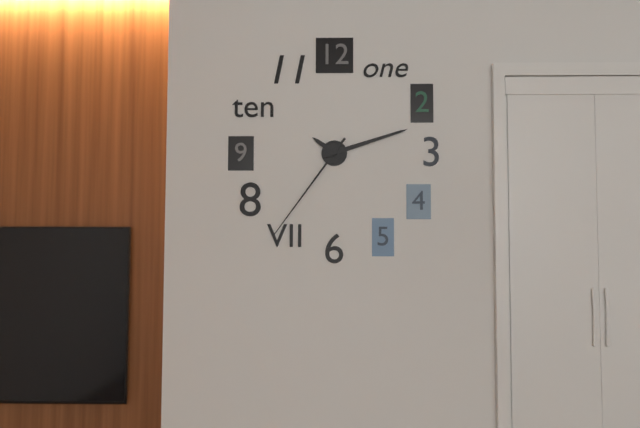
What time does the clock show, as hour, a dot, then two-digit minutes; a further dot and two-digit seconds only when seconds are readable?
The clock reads 10.12.36
